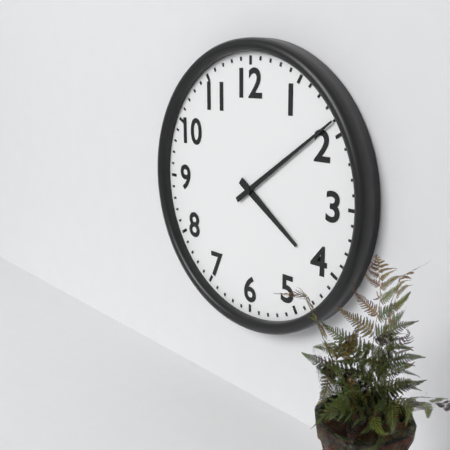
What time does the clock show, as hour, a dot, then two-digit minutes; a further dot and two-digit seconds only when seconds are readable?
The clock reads 4.09
